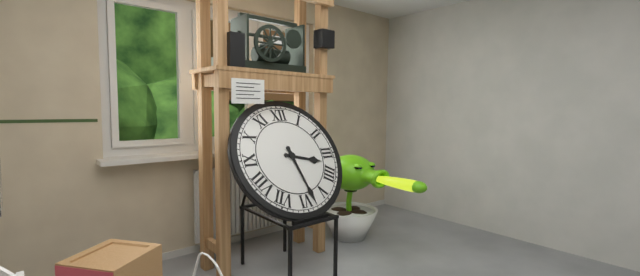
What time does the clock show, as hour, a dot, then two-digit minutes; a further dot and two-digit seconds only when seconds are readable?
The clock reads 3.28
